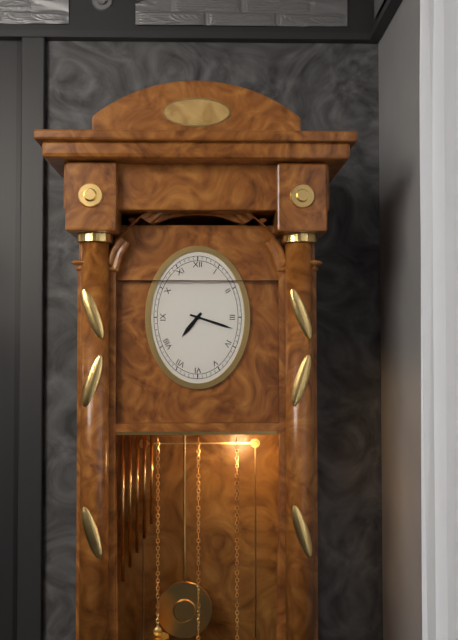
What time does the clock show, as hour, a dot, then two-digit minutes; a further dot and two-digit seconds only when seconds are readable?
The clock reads 7.18
